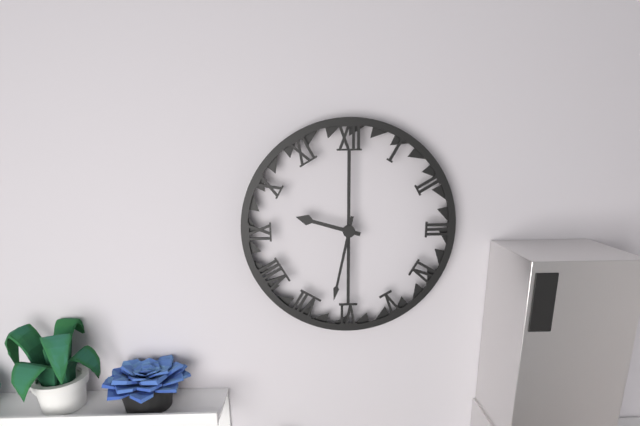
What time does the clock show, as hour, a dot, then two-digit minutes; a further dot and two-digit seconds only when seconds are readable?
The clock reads 9.32
